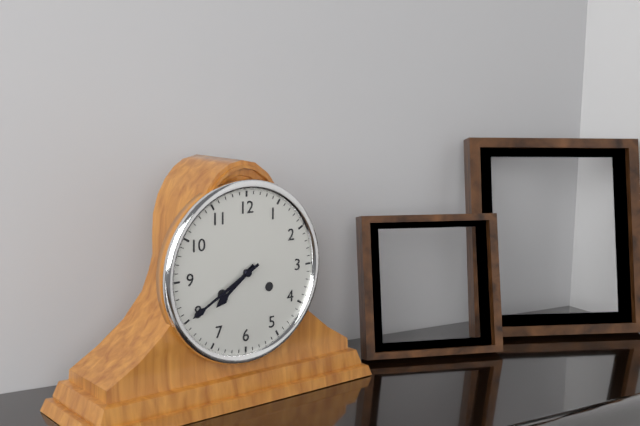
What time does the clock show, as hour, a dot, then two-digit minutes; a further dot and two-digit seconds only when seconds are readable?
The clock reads 7.40
